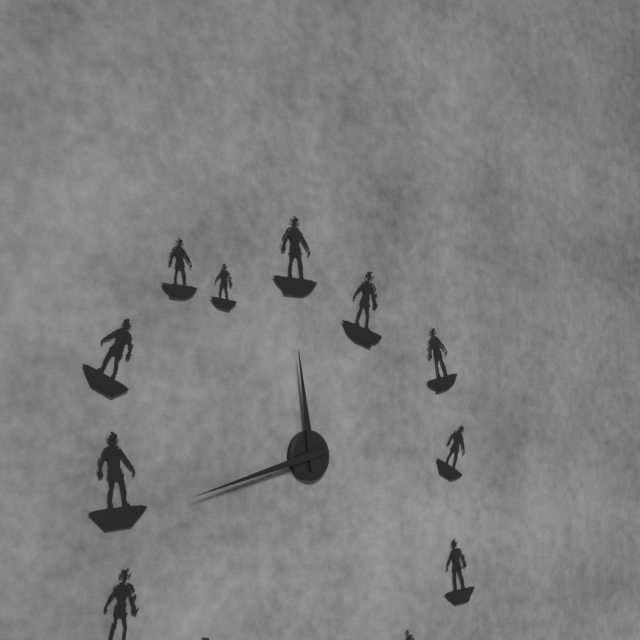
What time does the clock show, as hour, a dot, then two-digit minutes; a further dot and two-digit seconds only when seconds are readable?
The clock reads 11.42
